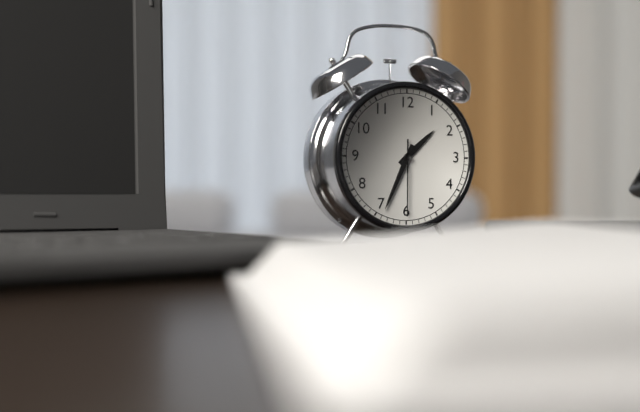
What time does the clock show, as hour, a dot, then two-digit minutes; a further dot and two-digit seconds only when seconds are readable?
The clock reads 1.34.30
